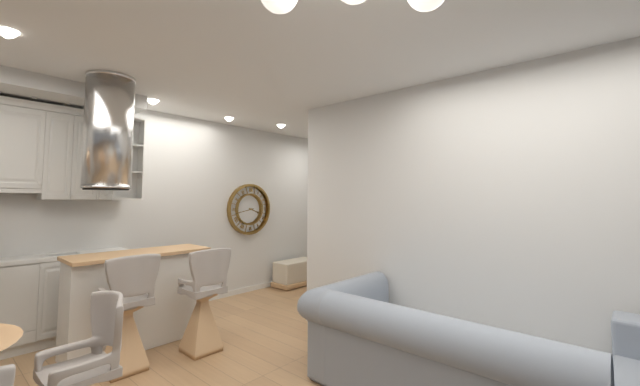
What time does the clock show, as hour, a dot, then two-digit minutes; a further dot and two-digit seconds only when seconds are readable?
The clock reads 3.43
